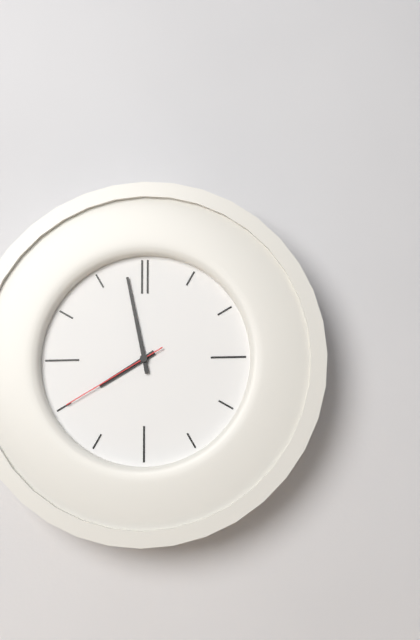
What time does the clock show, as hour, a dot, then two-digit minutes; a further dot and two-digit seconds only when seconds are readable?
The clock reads 7.58.40
